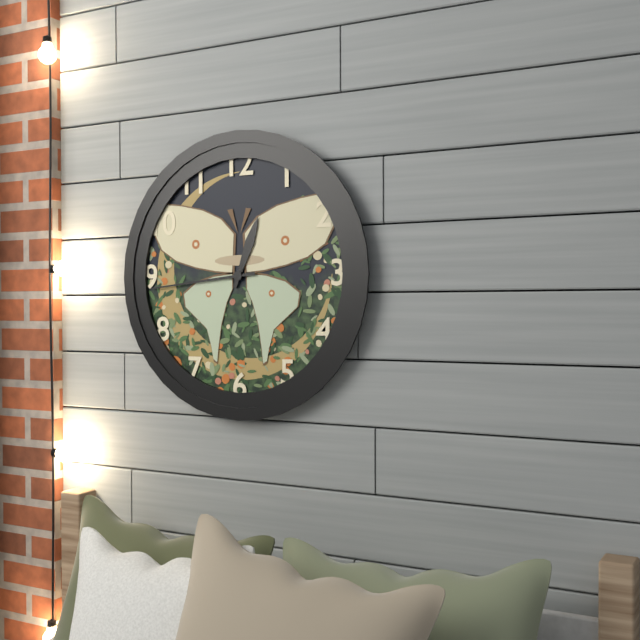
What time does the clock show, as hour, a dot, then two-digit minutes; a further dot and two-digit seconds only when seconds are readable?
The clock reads 12.44
